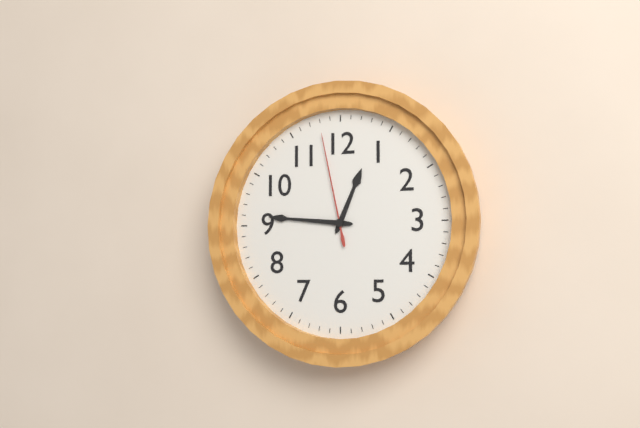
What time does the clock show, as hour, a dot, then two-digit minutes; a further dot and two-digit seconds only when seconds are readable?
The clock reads 12.46.58
